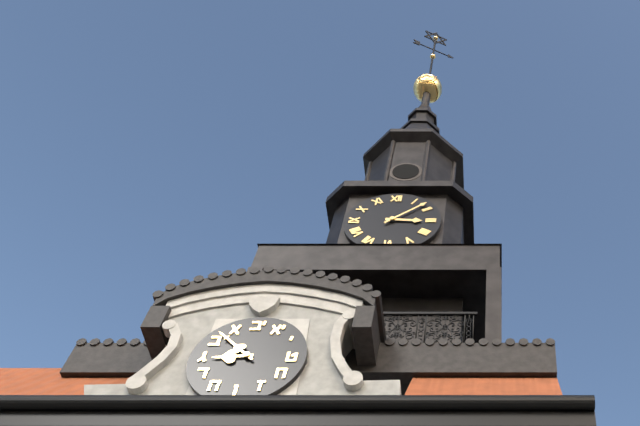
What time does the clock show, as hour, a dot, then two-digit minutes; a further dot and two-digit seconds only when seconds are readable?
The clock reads 3.08
